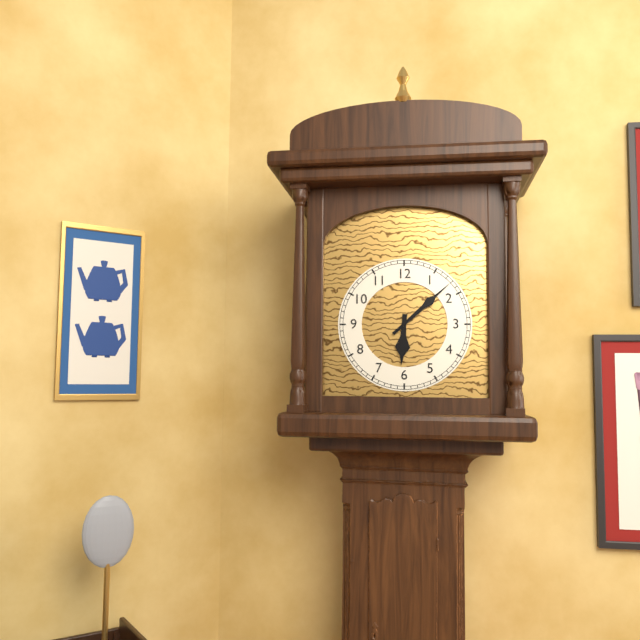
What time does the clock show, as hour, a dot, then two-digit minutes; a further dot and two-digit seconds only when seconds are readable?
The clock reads 6.08
